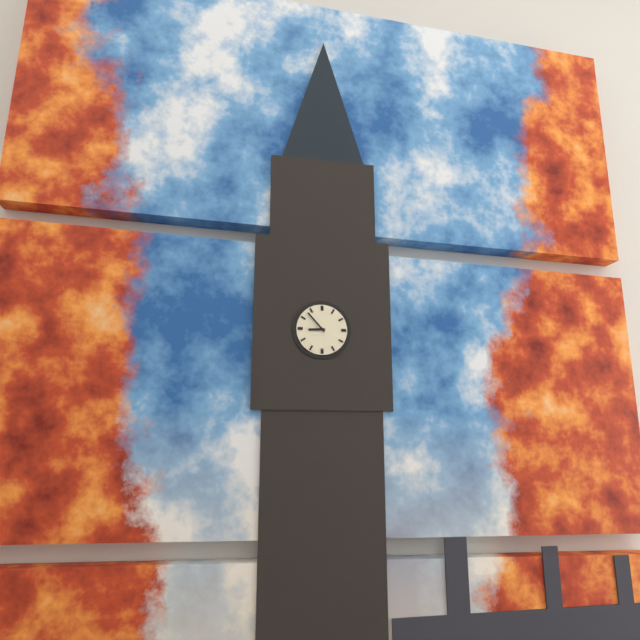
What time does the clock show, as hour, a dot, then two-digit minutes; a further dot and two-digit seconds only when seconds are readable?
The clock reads 8.53
